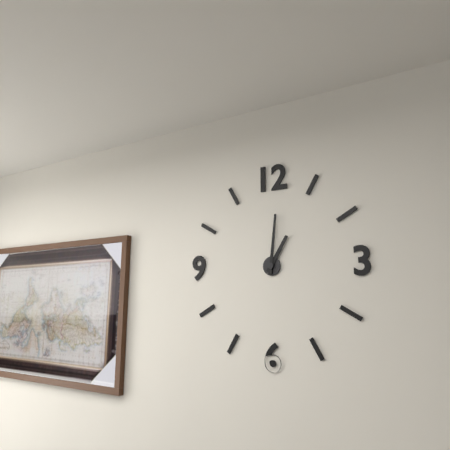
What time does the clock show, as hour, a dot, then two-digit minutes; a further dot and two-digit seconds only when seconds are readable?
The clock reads 1.01
